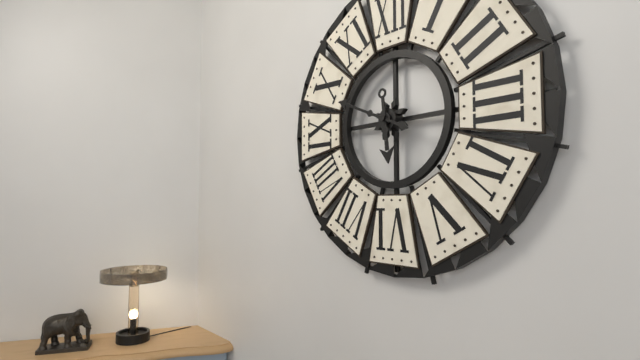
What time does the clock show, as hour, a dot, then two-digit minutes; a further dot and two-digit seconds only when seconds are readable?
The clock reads 5.49
